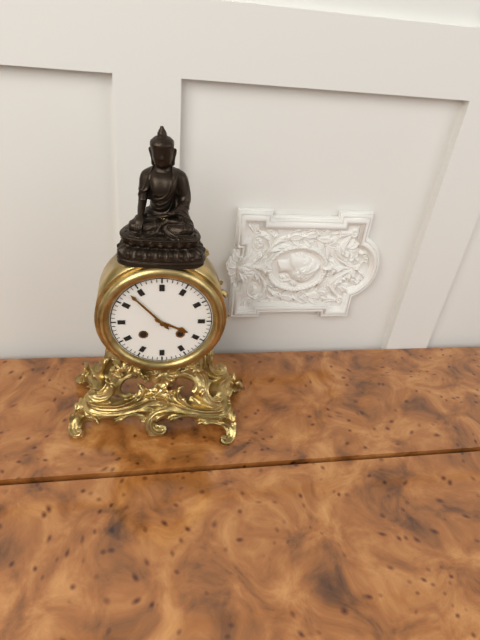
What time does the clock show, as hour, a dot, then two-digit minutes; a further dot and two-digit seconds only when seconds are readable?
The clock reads 3.53
